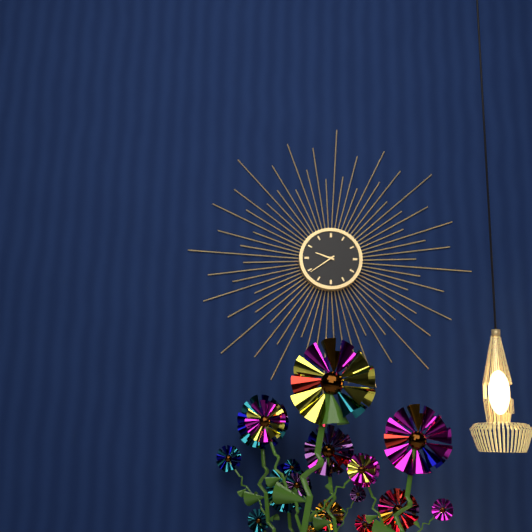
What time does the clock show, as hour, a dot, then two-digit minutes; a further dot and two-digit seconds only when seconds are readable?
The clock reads 9.39
